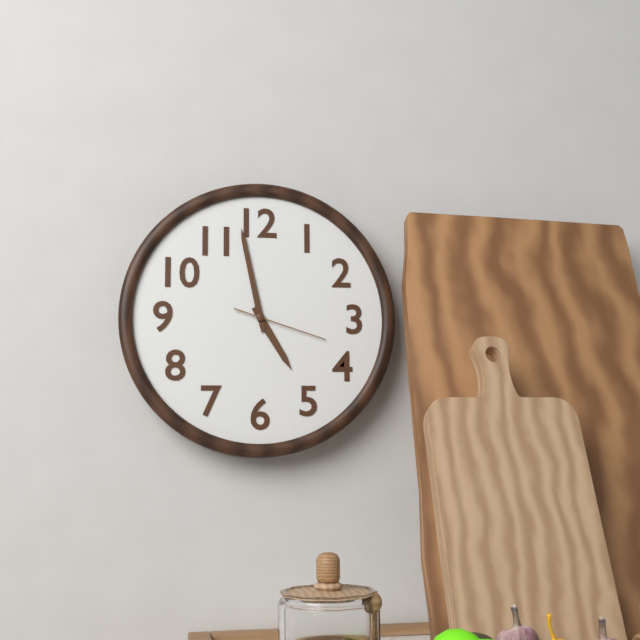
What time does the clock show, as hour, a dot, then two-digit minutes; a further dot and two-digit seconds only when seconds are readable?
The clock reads 4.58.18
